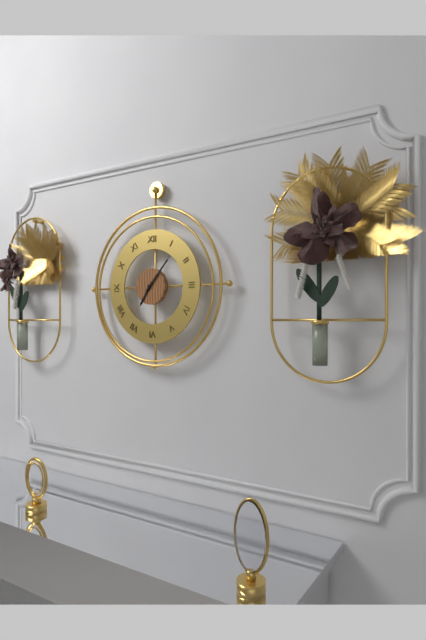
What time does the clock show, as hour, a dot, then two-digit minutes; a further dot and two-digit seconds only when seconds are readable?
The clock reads 7.07
